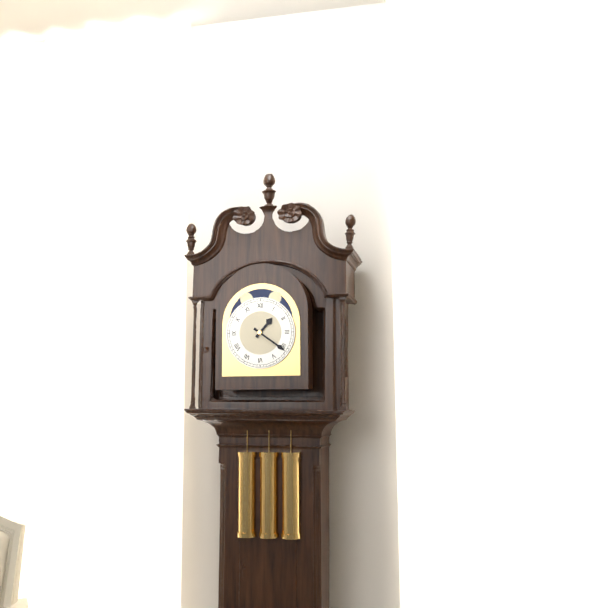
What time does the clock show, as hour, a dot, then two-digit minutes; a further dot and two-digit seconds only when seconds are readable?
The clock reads 1.21
